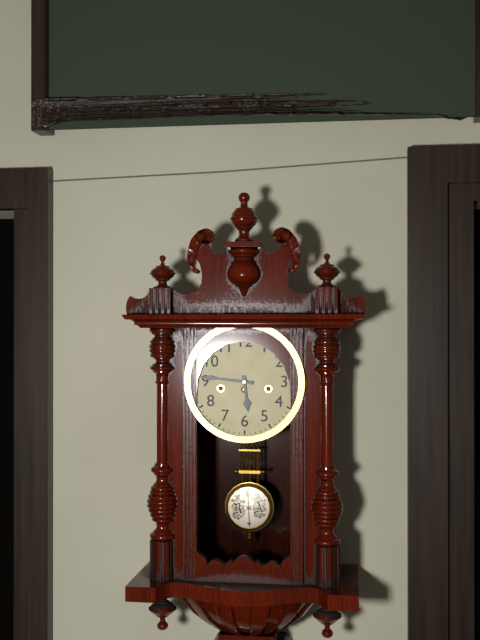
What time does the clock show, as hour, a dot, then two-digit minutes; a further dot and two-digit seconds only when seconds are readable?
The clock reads 5.46
